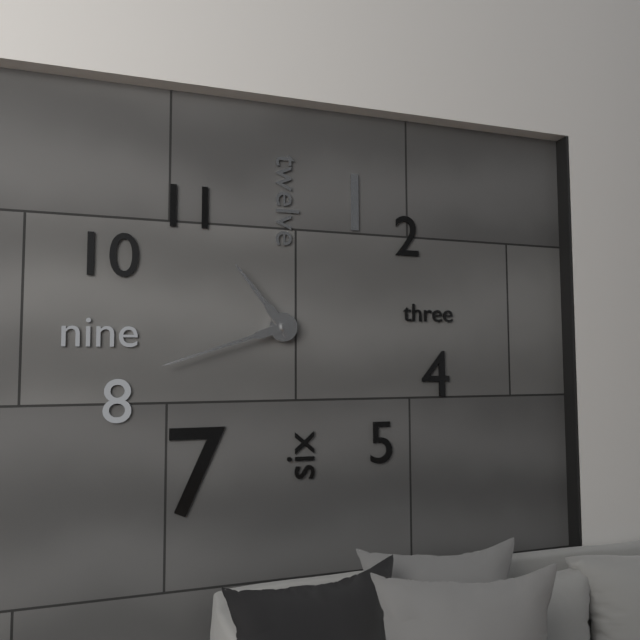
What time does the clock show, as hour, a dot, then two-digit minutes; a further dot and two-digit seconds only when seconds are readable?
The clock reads 10.42
